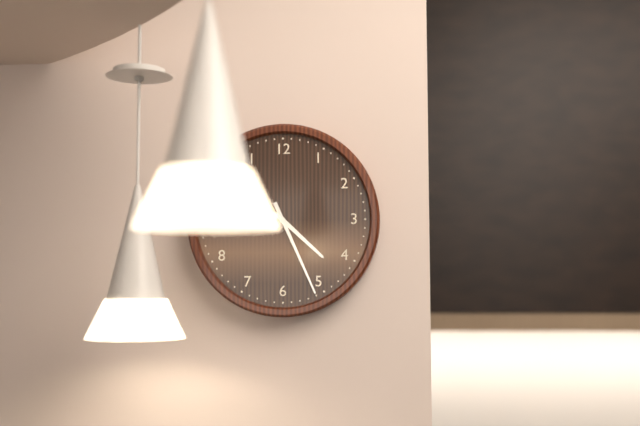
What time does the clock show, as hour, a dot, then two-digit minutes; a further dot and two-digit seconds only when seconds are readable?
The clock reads 4.26
